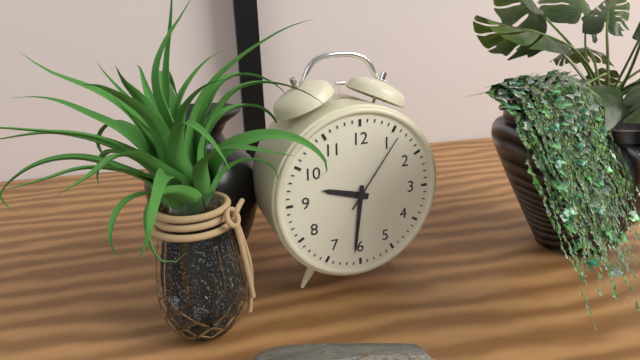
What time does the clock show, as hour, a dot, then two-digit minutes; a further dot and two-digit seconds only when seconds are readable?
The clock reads 9.31.06
